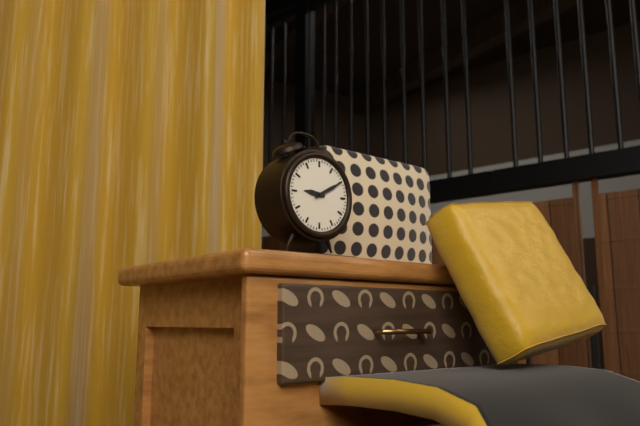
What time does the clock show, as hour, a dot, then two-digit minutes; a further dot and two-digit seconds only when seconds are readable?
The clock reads 9.10
